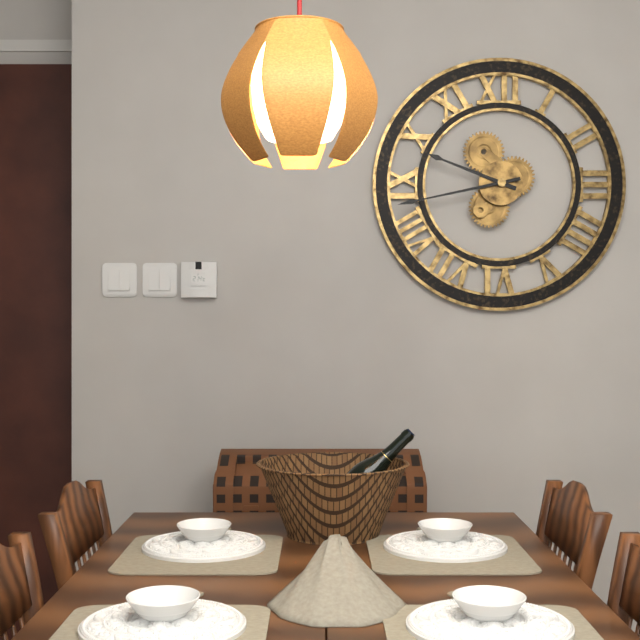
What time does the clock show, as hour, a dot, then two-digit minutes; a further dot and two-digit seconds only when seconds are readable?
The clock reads 9.43
